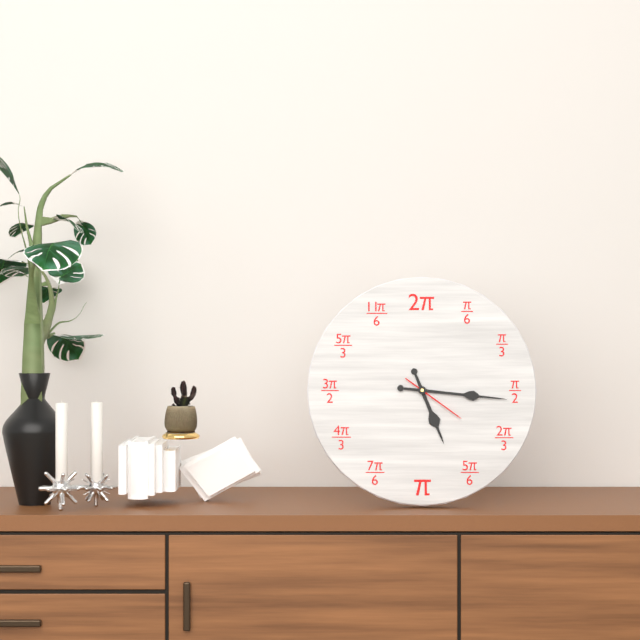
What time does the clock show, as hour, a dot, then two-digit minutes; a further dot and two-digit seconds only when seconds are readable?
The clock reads 5.16.21
